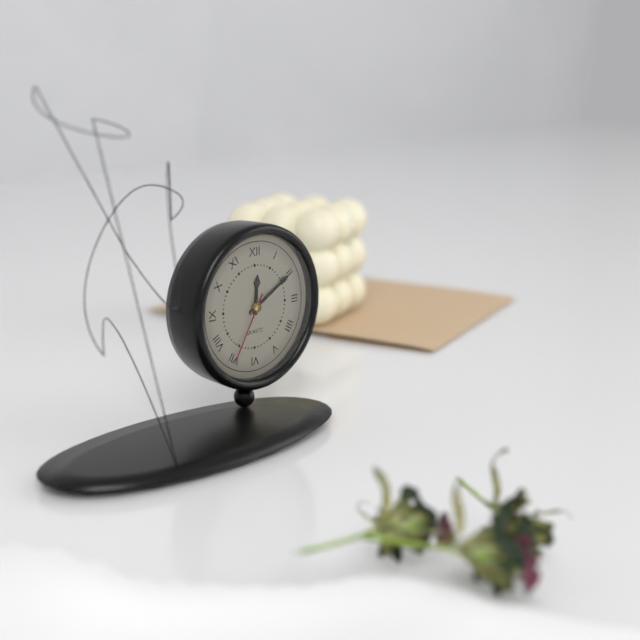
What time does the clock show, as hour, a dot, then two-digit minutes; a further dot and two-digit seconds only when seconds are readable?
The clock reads 12.10.35
